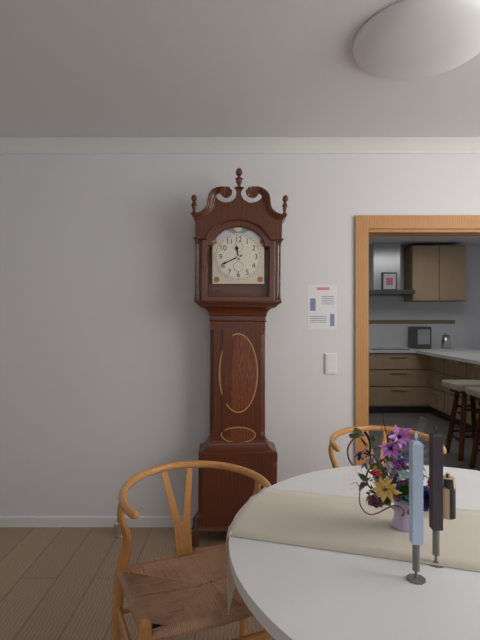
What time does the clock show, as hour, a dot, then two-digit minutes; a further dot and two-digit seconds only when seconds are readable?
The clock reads 11.41
